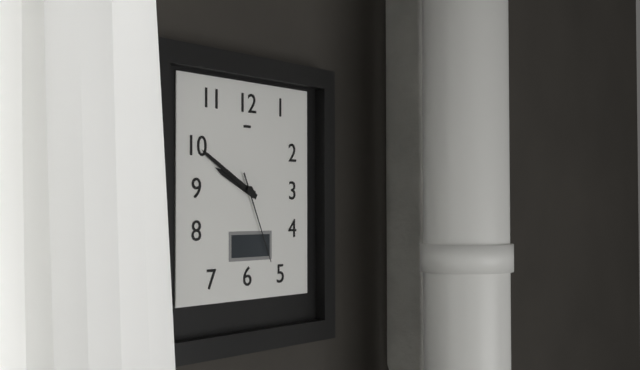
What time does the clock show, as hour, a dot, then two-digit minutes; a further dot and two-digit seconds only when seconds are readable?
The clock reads 9.50.26
